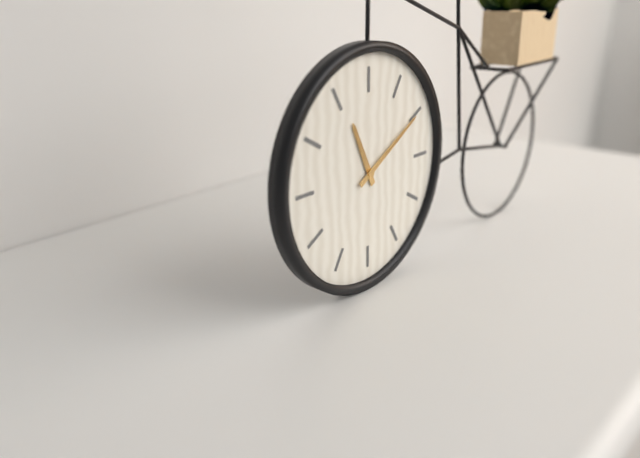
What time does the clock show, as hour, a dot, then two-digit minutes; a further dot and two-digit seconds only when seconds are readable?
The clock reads 11.10
